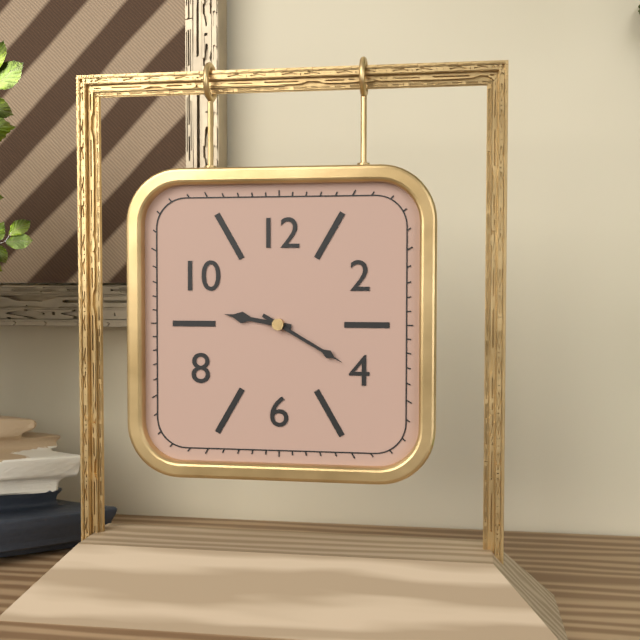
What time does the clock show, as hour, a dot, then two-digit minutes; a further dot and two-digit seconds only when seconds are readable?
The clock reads 9.20
